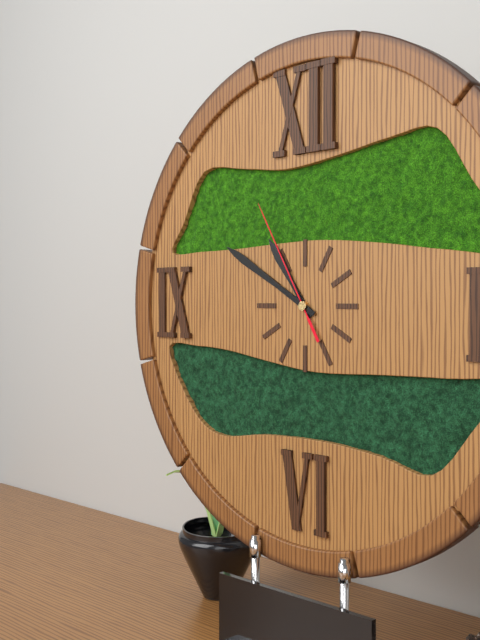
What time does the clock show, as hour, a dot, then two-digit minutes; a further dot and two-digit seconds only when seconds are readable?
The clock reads 10.50.55
